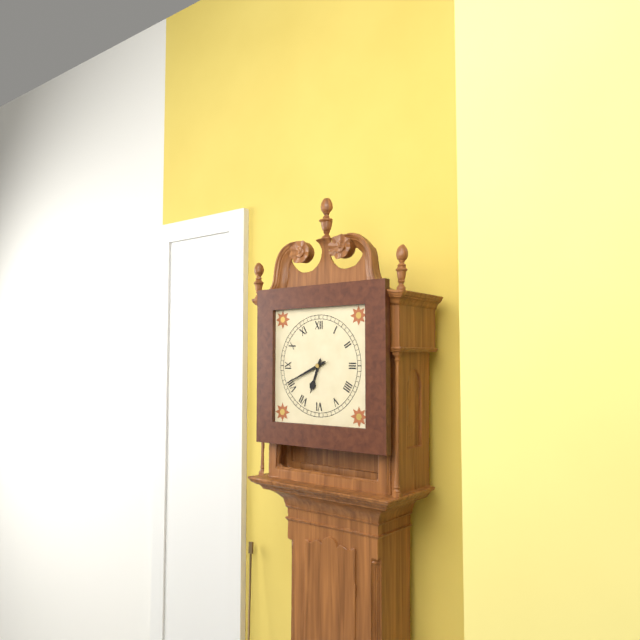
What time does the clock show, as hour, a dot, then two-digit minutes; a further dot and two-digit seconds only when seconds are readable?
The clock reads 6.41
